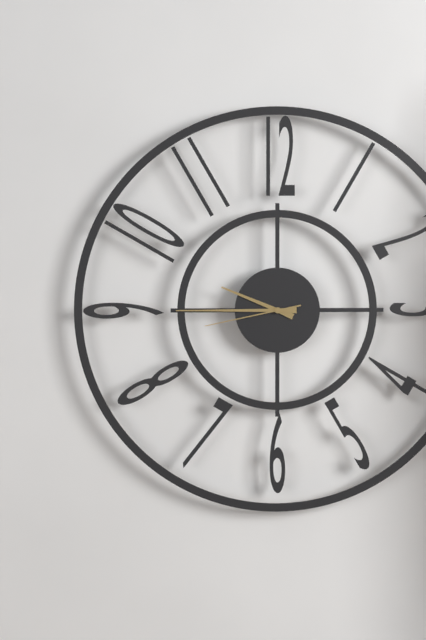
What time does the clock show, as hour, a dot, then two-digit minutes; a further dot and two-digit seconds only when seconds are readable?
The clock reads 9.45.43
